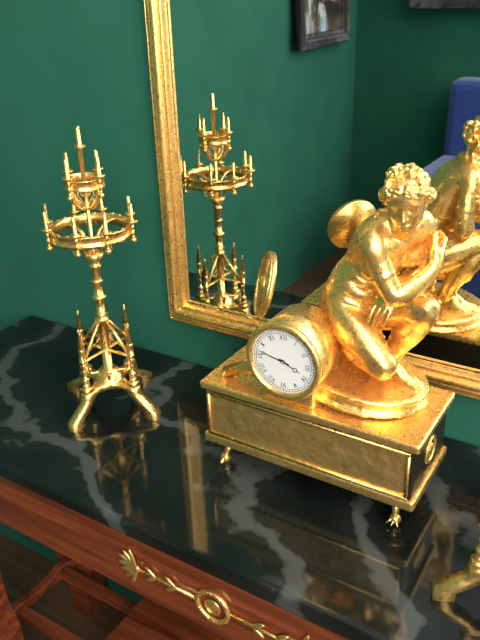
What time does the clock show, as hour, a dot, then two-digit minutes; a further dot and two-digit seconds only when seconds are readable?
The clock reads 3.47
